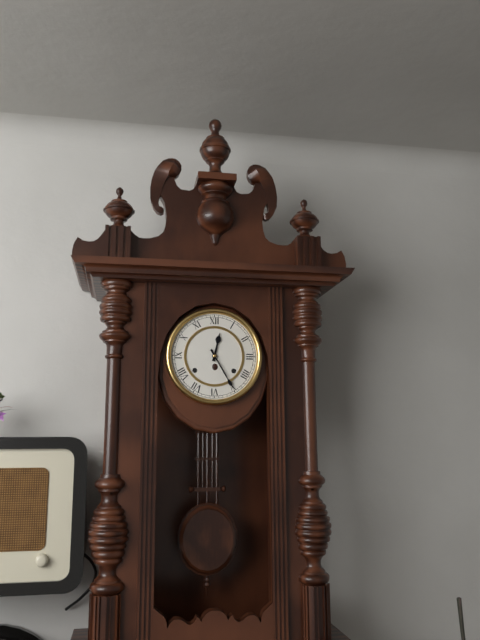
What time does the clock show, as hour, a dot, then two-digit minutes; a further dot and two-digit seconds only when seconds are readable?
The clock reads 12.25
